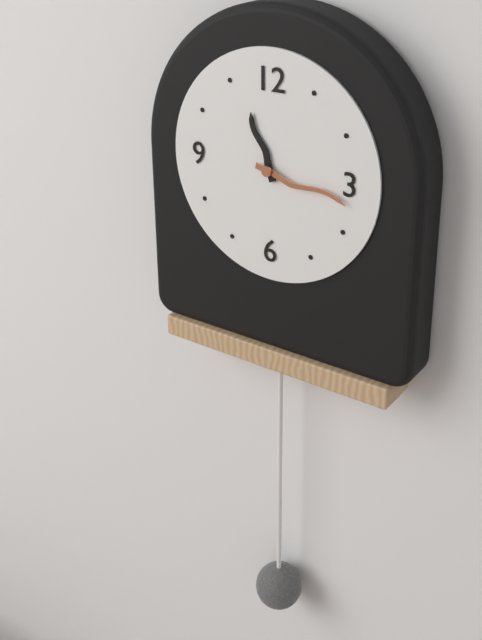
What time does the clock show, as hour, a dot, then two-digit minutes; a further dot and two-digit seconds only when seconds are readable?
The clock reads 11.17
